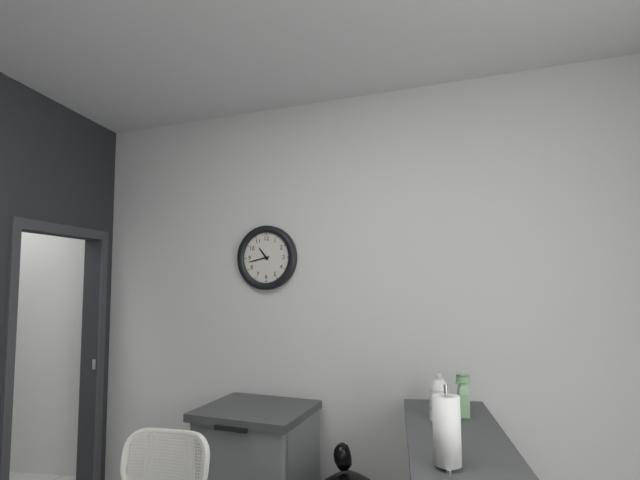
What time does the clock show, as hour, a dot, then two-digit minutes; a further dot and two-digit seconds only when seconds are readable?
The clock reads 10.43
